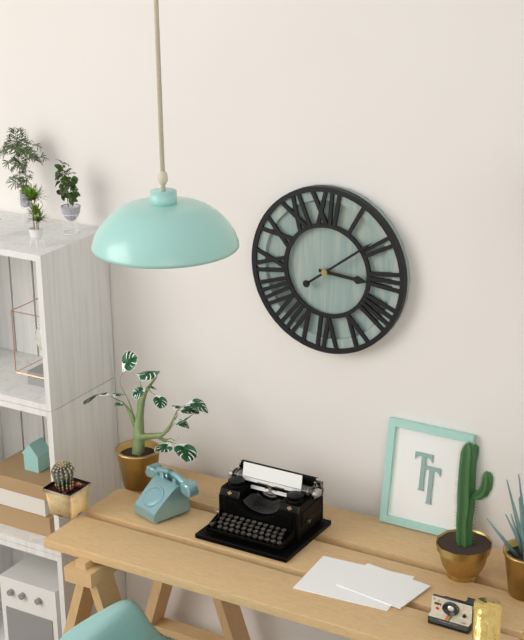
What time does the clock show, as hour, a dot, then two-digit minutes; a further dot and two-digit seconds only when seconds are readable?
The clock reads 3.09
